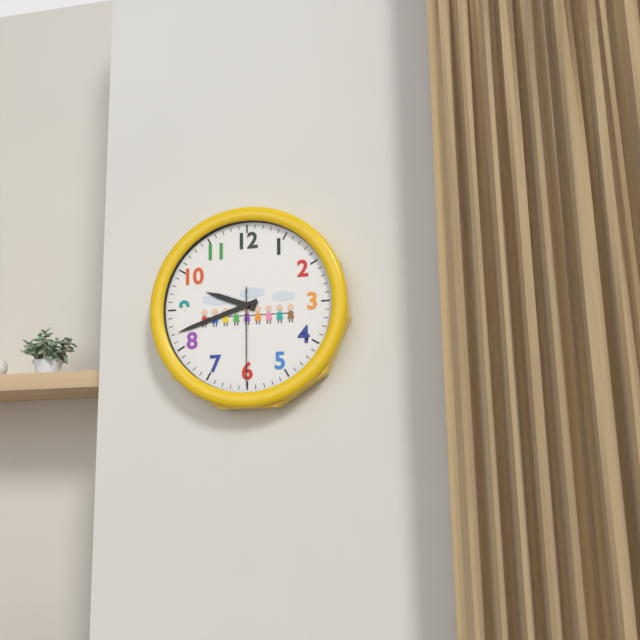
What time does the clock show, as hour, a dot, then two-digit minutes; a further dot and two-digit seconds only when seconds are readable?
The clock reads 9.42.30
